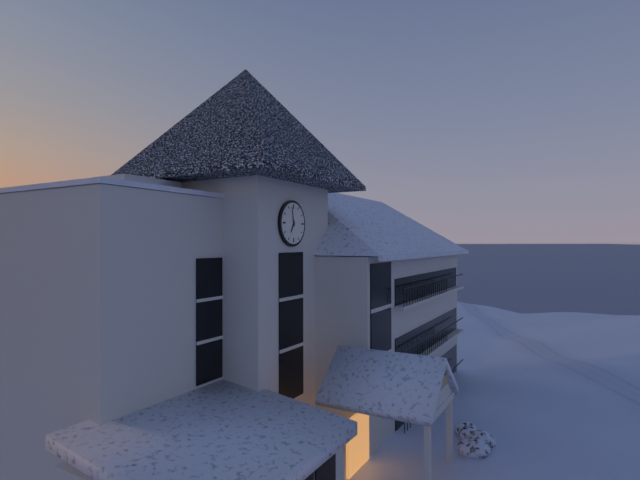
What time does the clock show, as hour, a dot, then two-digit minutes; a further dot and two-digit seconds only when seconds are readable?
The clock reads 6.58
